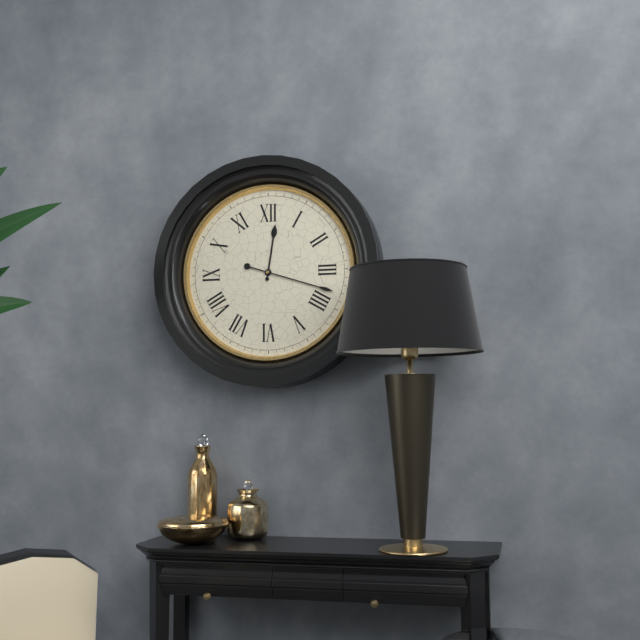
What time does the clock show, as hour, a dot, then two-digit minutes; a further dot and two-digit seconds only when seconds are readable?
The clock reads 12.18
